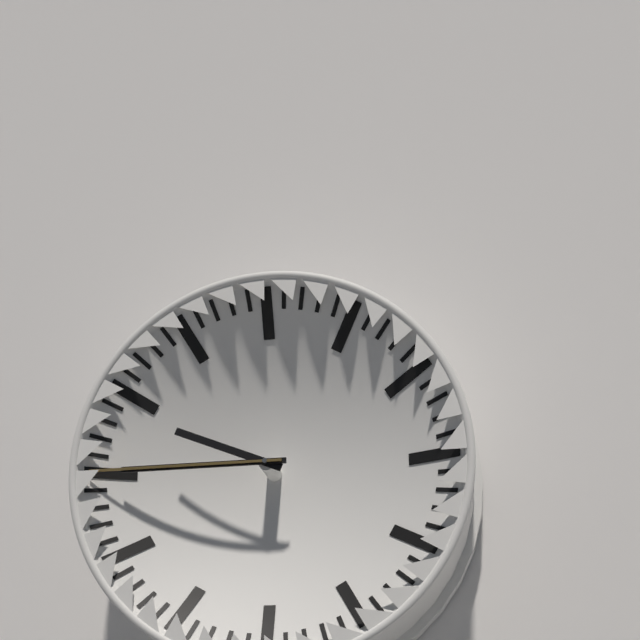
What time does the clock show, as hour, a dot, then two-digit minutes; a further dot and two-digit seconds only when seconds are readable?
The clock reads 9.45.45
